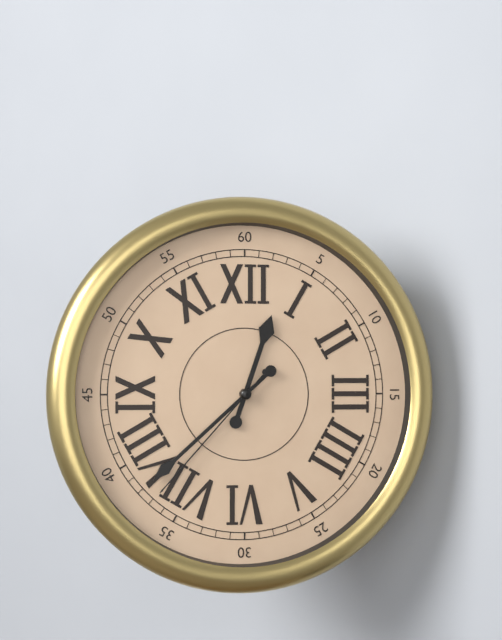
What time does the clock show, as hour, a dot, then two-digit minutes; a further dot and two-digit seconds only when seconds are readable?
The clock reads 12.38.37
